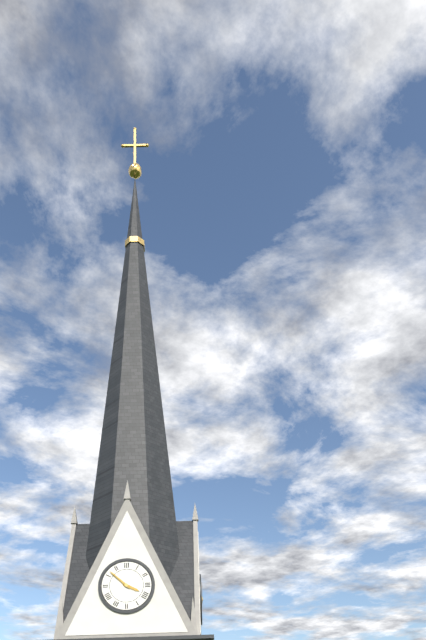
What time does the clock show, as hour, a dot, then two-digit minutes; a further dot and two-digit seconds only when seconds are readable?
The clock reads 3.52
